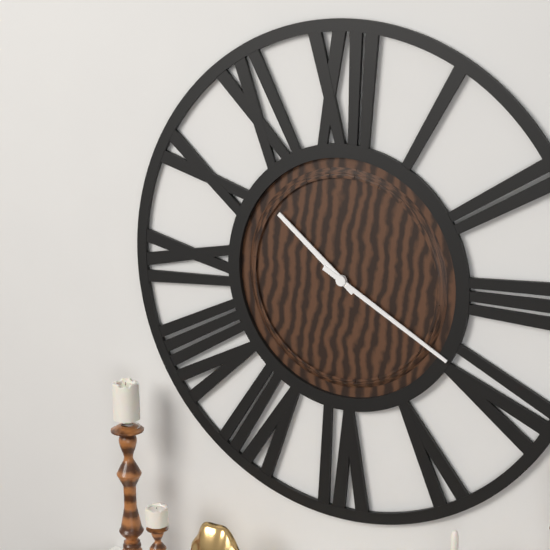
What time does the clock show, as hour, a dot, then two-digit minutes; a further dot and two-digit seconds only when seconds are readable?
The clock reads 10.20
